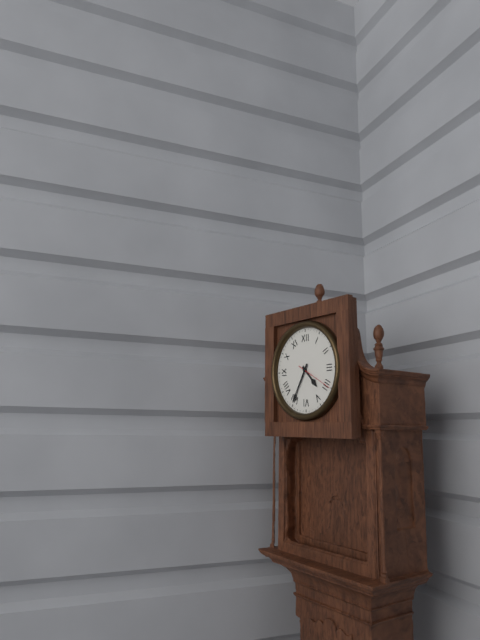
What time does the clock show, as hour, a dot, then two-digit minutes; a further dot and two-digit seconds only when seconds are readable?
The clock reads 4.35
